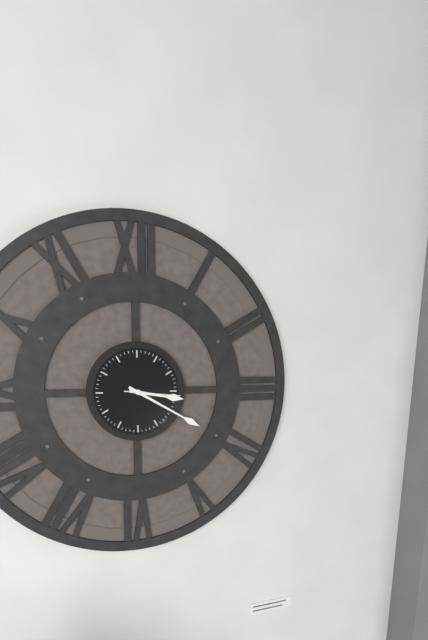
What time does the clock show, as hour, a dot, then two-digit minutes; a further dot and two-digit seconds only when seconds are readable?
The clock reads 3.20.16
